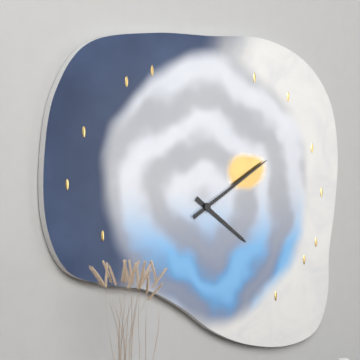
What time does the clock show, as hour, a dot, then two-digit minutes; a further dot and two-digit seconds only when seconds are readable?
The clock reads 4.10
